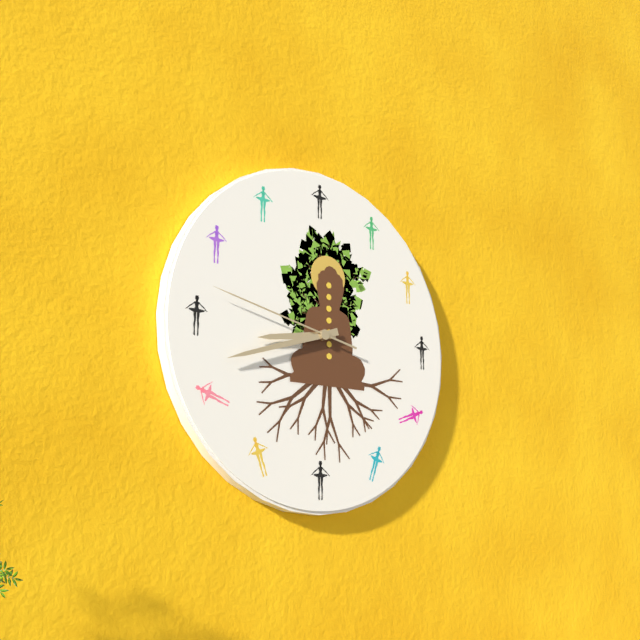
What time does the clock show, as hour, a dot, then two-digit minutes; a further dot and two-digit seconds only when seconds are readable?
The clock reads 8.42.47
